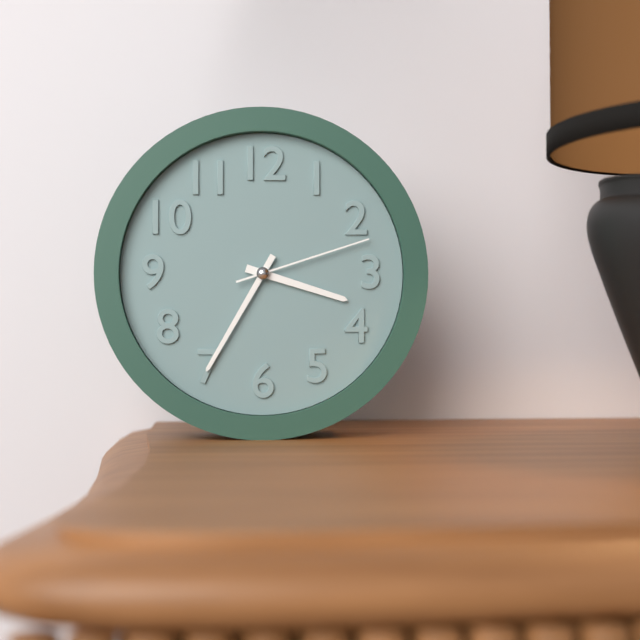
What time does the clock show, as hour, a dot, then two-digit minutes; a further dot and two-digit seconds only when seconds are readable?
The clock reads 3.35.12
